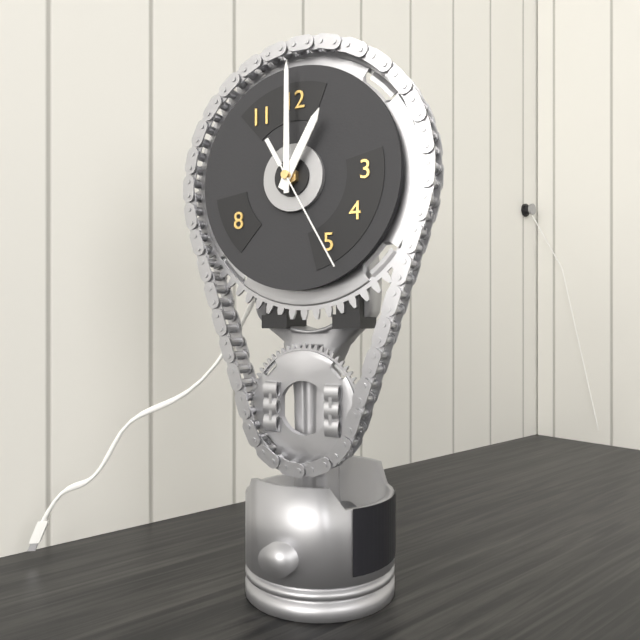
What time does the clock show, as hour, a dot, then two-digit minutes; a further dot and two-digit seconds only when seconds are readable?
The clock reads 1.00.25
